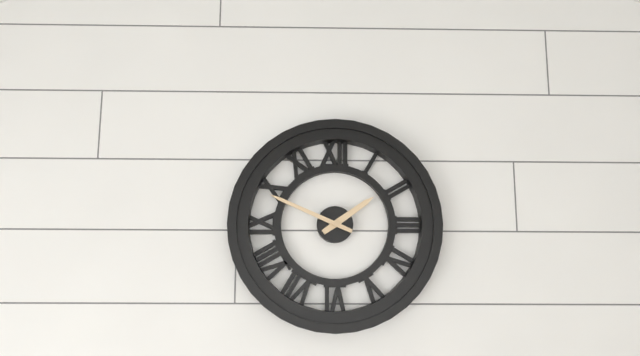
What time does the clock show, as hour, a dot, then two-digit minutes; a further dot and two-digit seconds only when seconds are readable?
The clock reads 1.49
